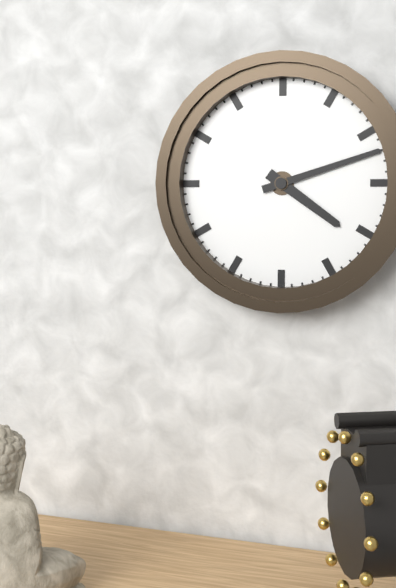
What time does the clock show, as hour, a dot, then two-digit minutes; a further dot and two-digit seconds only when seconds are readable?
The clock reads 4.12
